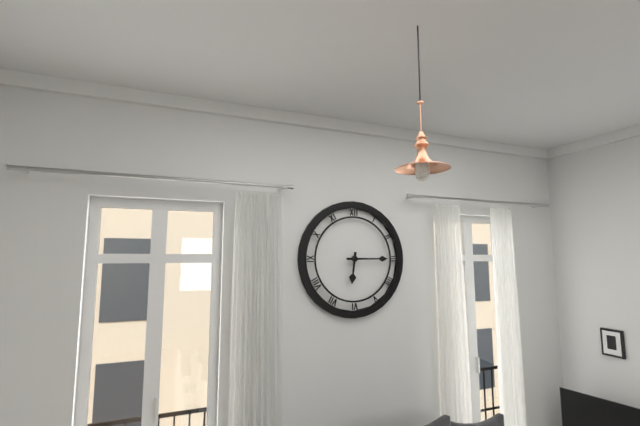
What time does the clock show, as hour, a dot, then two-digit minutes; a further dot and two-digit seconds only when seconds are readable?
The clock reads 6.15
